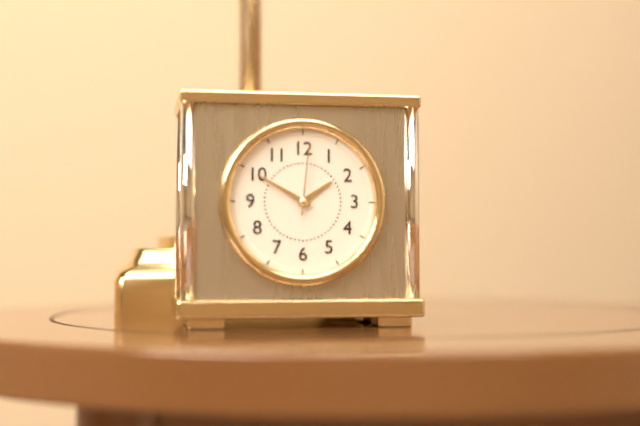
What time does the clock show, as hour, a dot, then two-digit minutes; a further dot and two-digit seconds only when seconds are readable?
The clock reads 1.50.01
